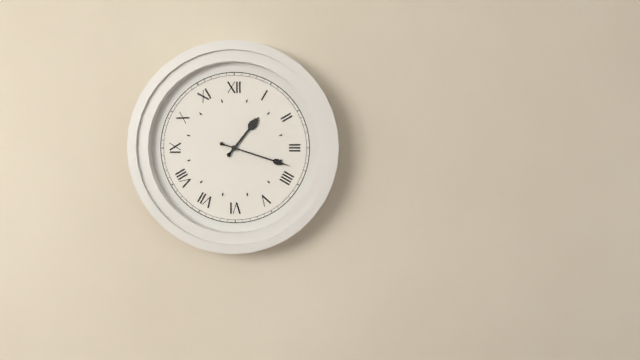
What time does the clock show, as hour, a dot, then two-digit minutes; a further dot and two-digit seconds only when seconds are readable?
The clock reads 1.18
